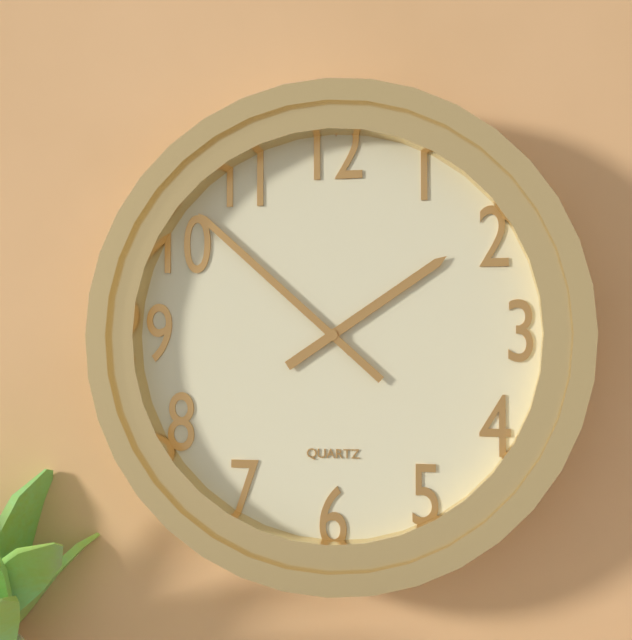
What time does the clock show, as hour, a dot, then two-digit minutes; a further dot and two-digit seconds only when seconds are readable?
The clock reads 1.52
